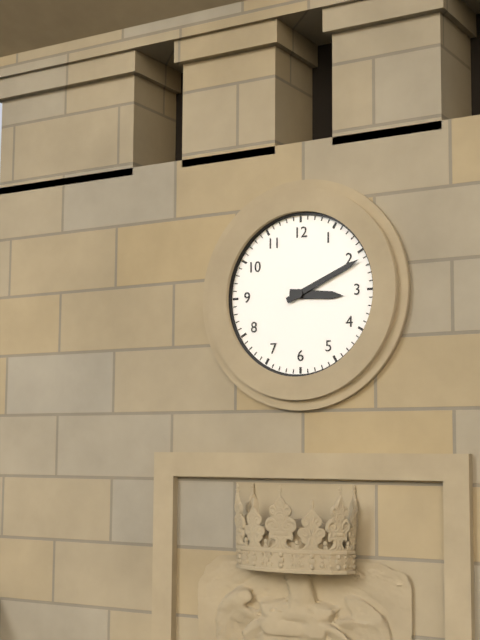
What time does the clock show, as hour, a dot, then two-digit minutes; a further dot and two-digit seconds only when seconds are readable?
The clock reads 3.11
